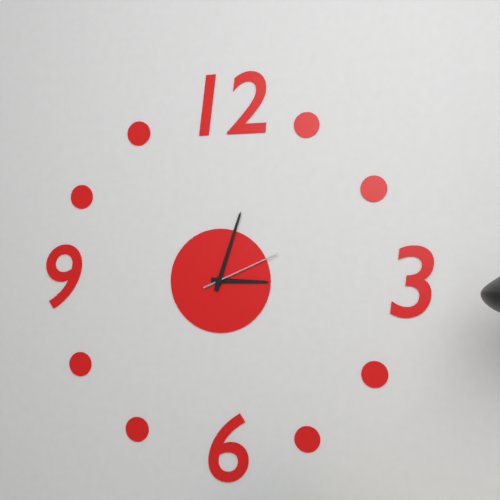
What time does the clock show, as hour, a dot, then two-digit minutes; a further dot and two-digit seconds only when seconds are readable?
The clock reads 3.03.11
